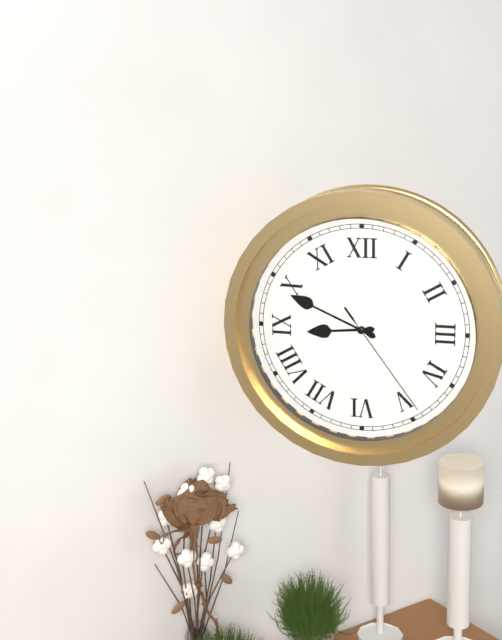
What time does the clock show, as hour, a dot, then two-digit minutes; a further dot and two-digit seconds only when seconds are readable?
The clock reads 8.49.24
